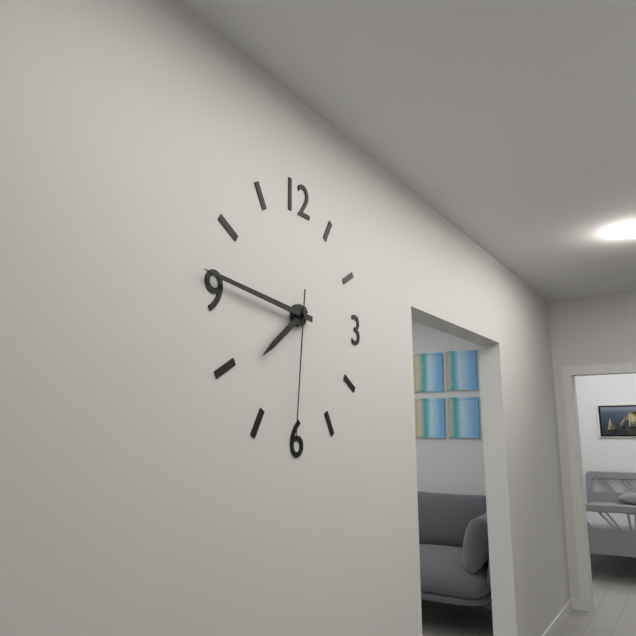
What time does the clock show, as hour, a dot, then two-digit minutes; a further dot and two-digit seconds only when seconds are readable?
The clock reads 7.46.31
